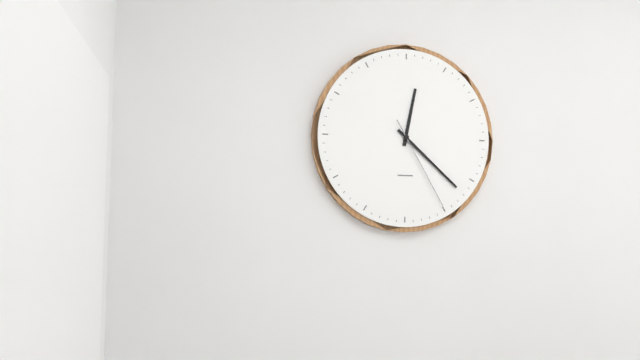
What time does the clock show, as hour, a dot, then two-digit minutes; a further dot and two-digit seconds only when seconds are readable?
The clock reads 12.22.25
